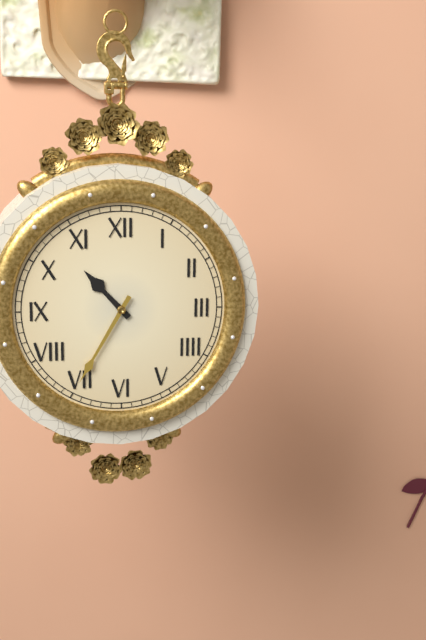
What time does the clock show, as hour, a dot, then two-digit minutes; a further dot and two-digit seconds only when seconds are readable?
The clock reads 10.35
